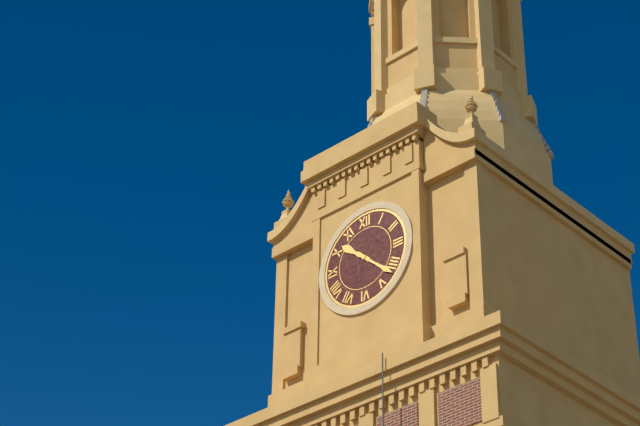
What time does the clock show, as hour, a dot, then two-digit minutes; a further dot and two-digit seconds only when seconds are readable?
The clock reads 10.22
